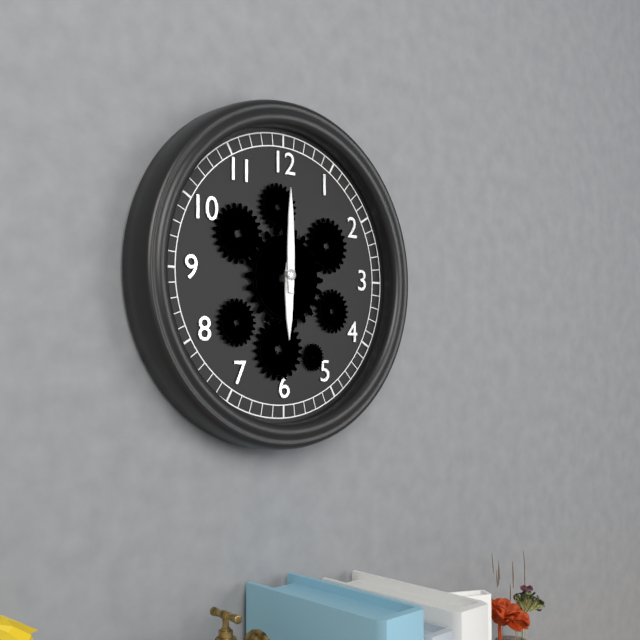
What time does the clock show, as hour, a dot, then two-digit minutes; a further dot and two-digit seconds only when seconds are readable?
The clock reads 6.00
